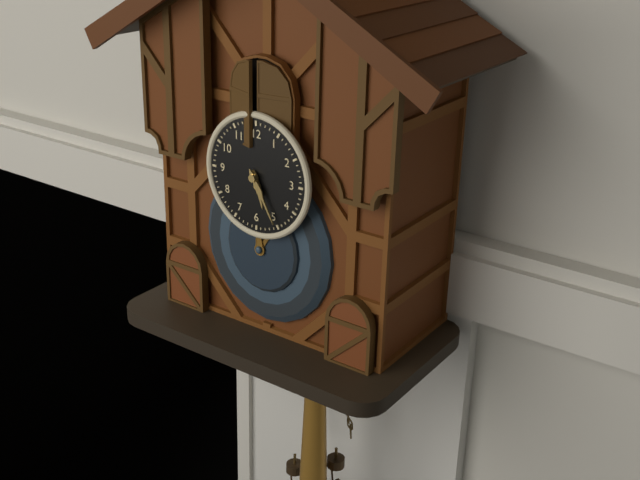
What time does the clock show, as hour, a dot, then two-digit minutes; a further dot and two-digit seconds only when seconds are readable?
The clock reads 5.25
